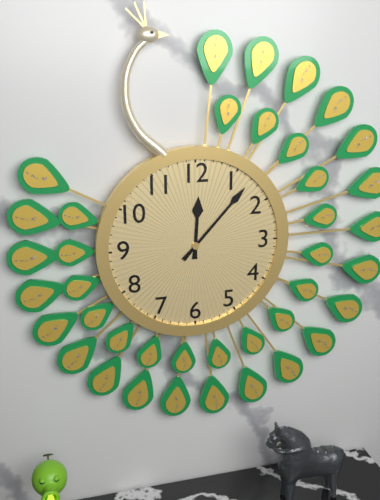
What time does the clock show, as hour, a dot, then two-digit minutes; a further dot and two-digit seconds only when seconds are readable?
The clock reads 12.07
